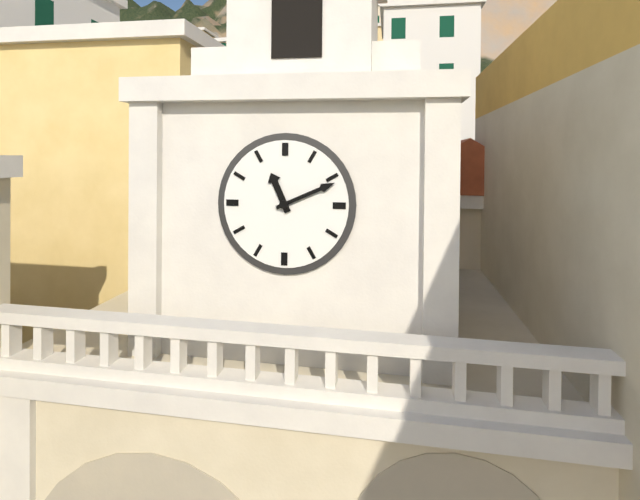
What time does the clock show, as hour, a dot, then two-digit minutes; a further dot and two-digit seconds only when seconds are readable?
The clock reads 11.11
